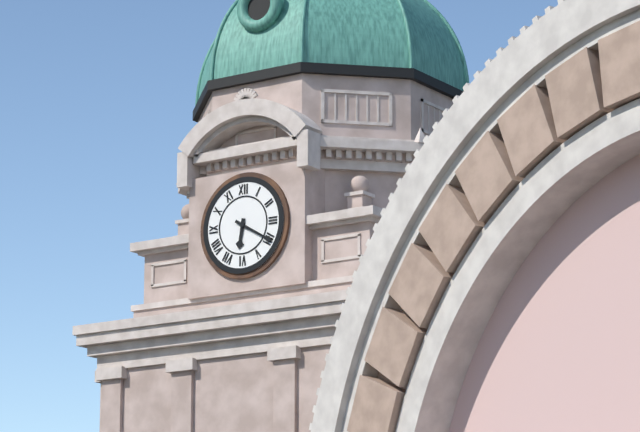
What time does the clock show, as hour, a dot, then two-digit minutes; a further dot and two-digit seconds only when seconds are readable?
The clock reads 6.20
